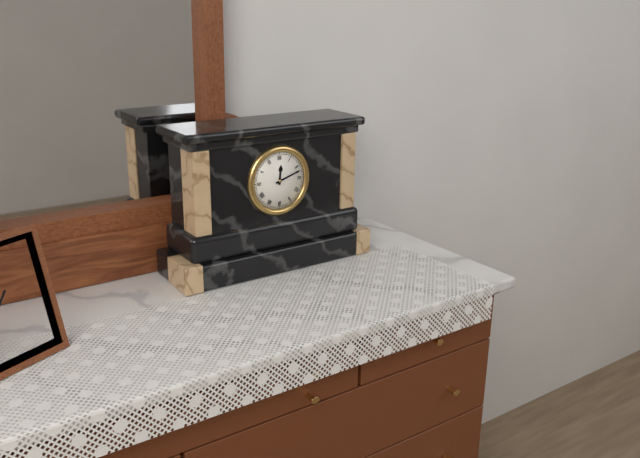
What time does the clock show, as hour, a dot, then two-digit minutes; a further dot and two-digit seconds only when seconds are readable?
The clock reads 12.12
